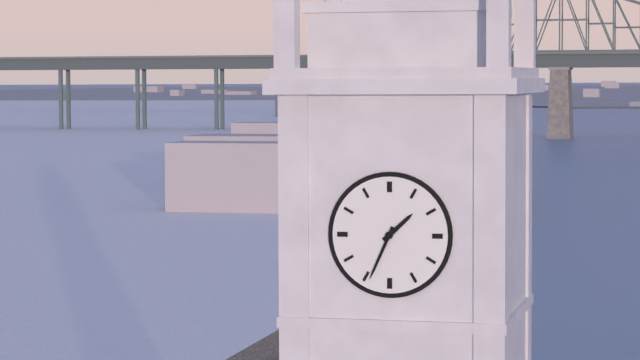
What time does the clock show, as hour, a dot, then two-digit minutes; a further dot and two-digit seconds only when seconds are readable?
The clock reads 1.34
